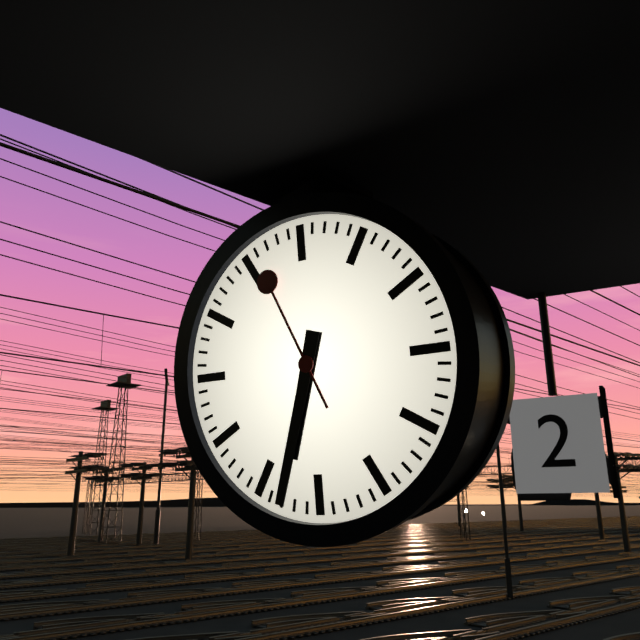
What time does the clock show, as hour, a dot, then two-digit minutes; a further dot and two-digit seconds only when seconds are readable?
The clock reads 6.33.56
